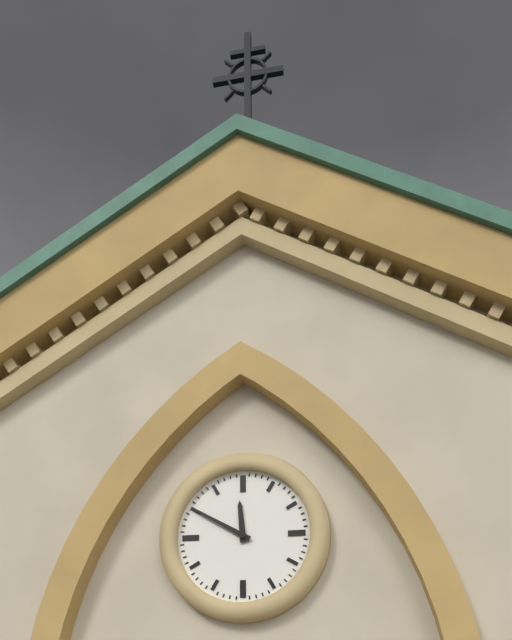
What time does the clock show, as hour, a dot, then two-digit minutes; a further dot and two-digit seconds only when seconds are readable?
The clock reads 11.50
